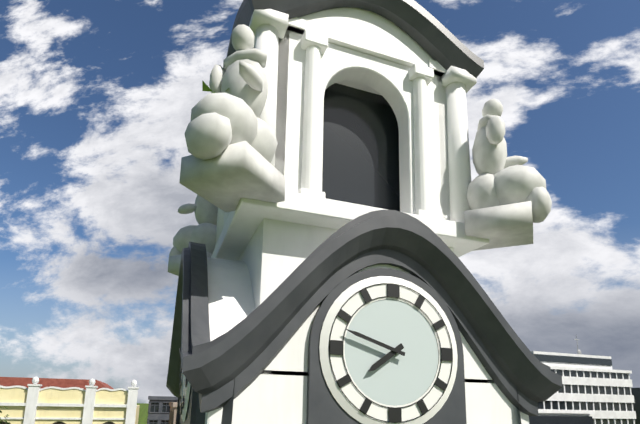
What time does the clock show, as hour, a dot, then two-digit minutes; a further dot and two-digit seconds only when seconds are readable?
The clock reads 7.48
